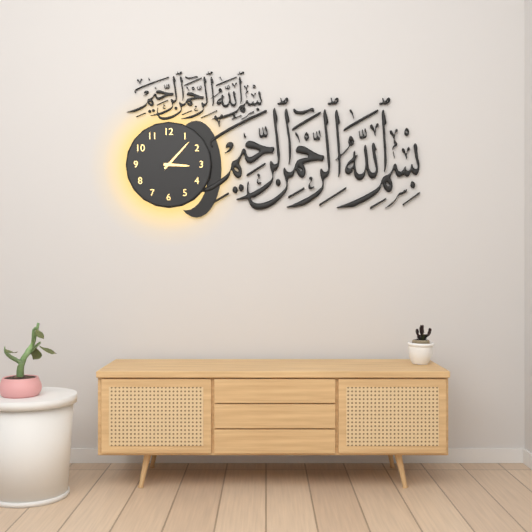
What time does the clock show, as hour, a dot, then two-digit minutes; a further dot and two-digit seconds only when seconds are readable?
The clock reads 3.07
